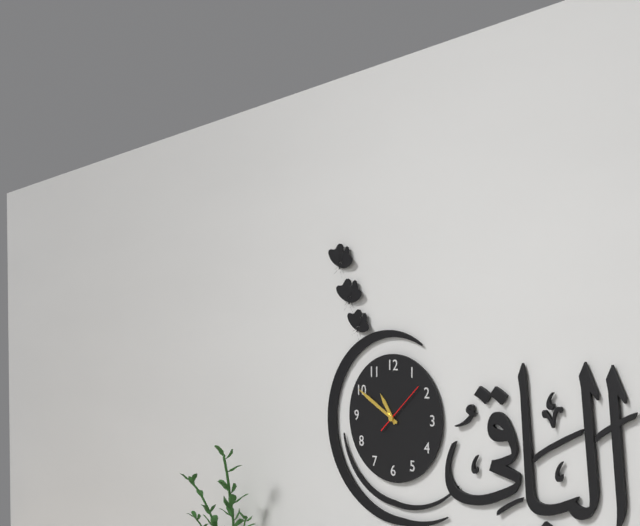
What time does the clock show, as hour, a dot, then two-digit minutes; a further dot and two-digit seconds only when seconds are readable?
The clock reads 10.50.08
